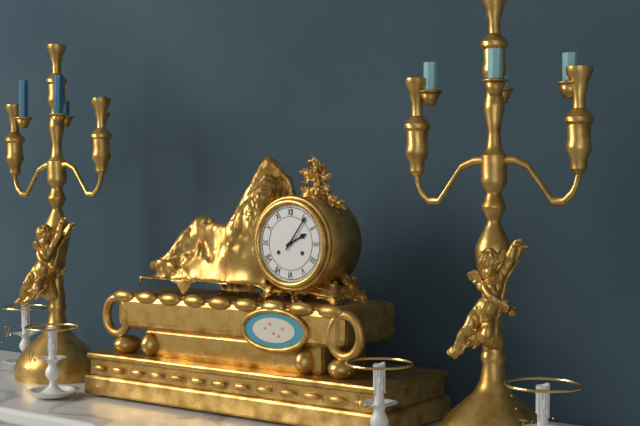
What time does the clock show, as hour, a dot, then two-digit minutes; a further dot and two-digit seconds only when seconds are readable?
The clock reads 2.06
